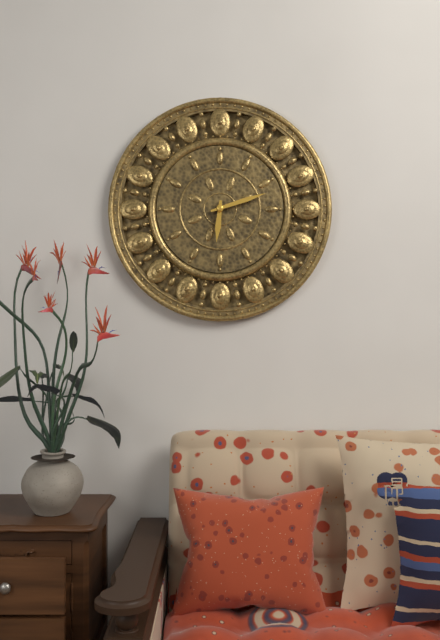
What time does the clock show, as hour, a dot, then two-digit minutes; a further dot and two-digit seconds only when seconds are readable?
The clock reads 6.12
